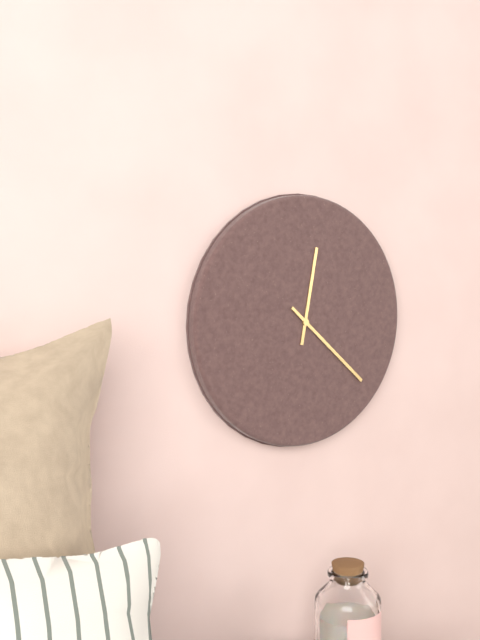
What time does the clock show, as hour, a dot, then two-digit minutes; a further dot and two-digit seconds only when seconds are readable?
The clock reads 12.22
